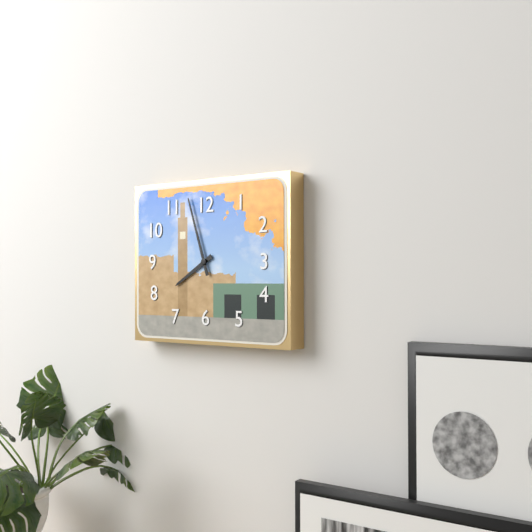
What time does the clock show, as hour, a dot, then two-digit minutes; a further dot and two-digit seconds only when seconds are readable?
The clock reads 7.57
